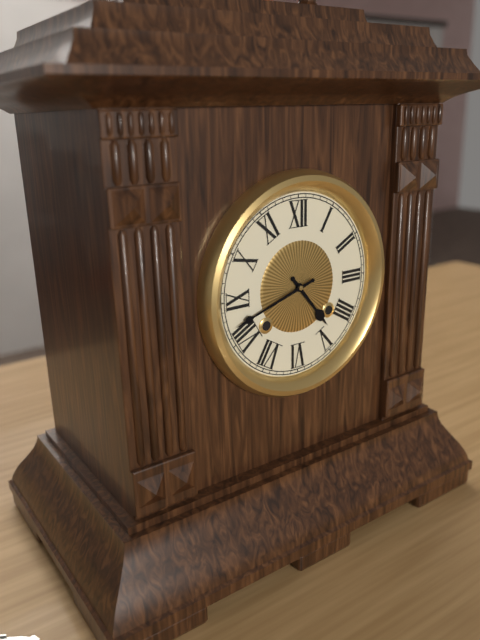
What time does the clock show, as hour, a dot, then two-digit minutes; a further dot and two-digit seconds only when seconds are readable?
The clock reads 4.42
